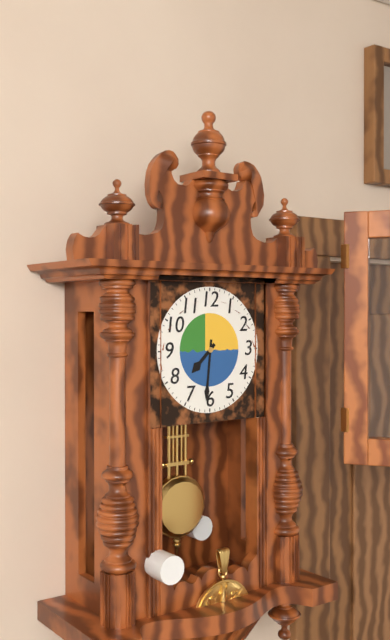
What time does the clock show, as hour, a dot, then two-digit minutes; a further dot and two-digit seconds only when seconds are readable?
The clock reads 7.31
